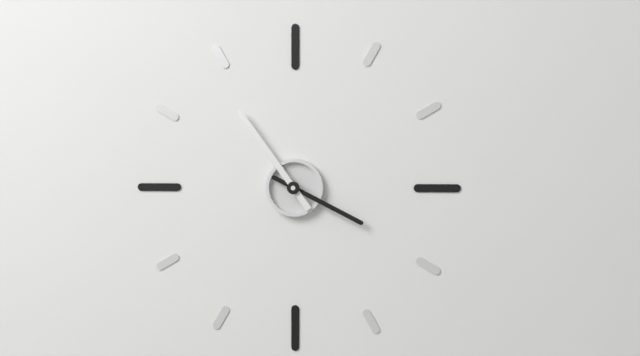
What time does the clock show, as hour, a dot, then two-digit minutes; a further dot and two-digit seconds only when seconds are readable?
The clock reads 3.54
